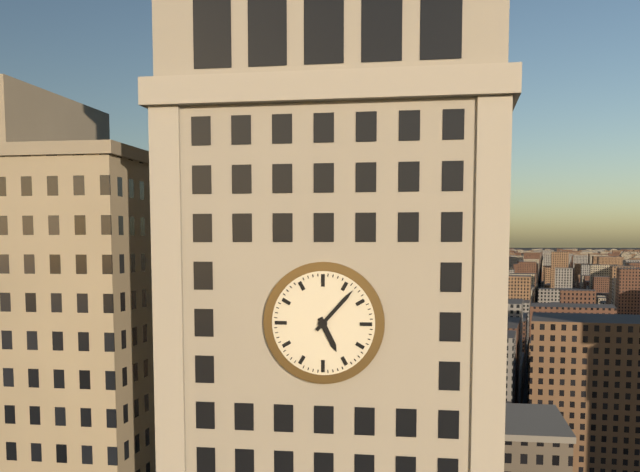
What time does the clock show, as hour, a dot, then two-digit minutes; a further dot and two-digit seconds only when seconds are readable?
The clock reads 5.07
